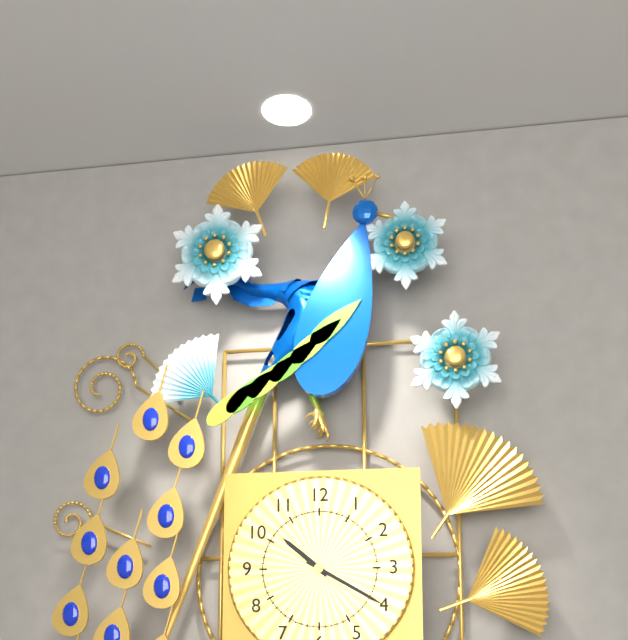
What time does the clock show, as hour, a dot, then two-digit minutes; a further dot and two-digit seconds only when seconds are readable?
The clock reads 10.20
